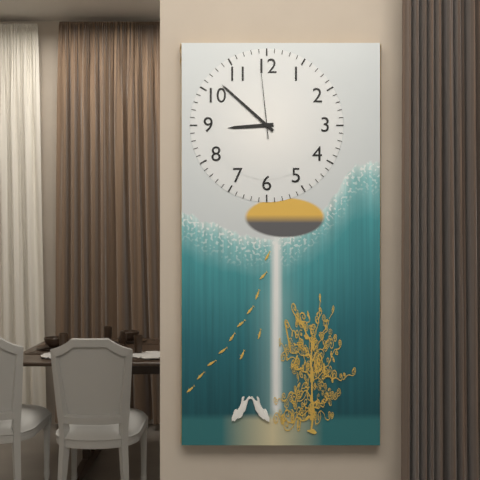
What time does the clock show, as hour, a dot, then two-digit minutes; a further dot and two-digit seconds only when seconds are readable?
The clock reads 8.52.59
